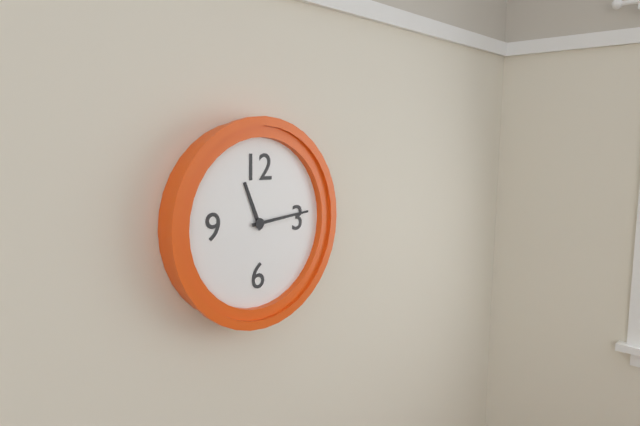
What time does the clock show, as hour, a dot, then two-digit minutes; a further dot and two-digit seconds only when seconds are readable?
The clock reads 11.14
